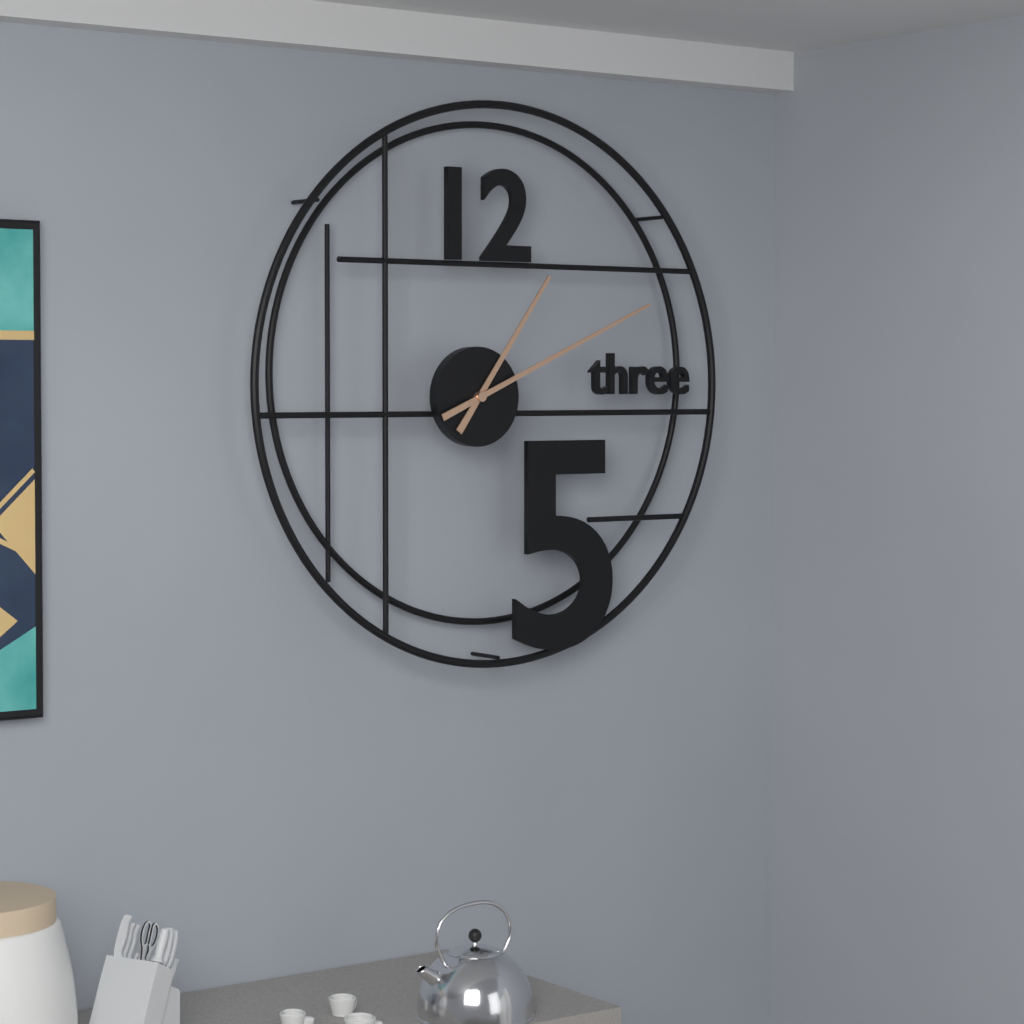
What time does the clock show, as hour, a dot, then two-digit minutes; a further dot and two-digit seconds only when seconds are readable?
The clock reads 1.11
